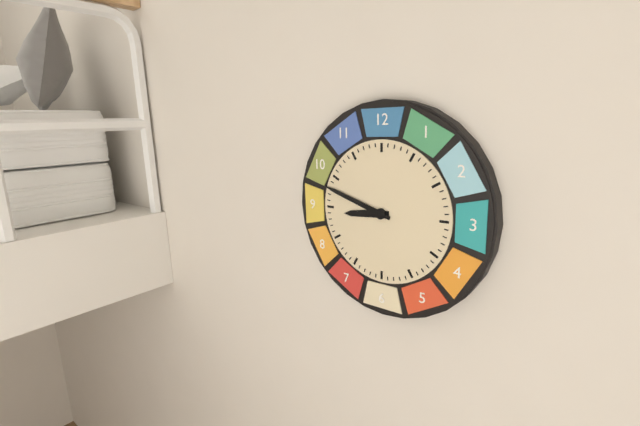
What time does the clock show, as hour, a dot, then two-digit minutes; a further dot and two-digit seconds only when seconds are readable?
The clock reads 8.48
